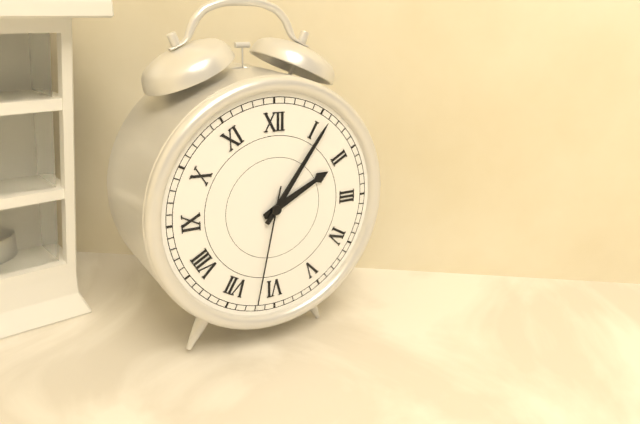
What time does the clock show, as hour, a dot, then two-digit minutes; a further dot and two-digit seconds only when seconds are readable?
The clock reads 2.06.32
